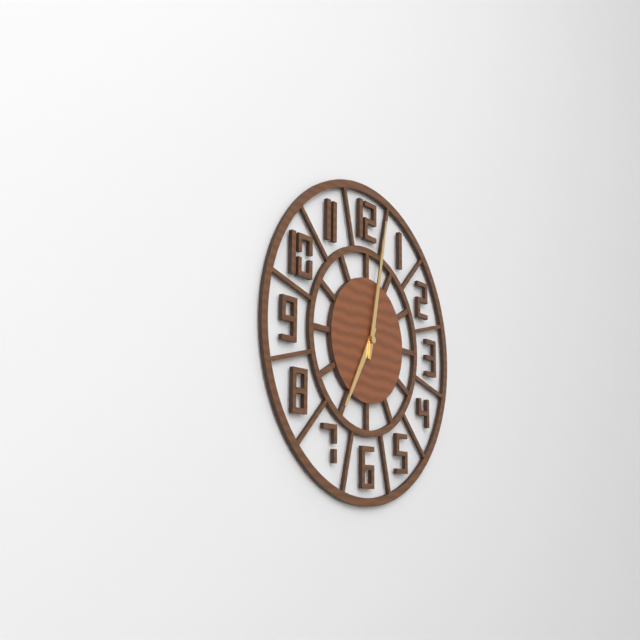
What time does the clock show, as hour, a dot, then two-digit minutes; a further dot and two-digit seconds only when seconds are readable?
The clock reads 7.02
